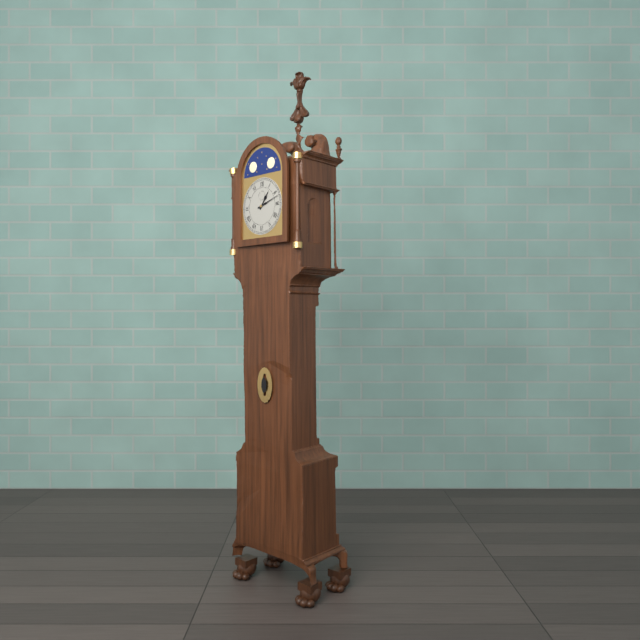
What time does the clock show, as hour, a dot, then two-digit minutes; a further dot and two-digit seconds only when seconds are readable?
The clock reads 1.12
